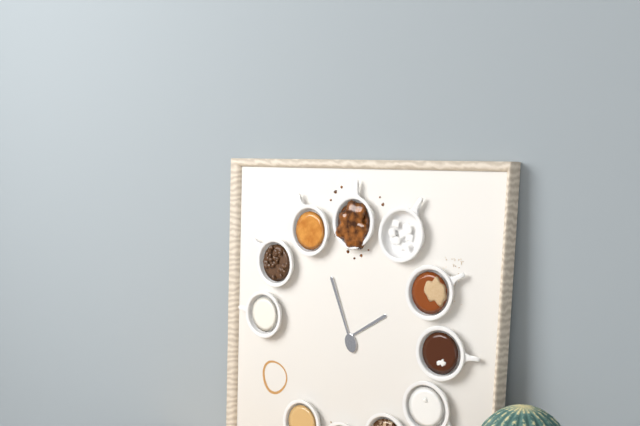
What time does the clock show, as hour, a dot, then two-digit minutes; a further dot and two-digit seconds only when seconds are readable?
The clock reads 1.56
